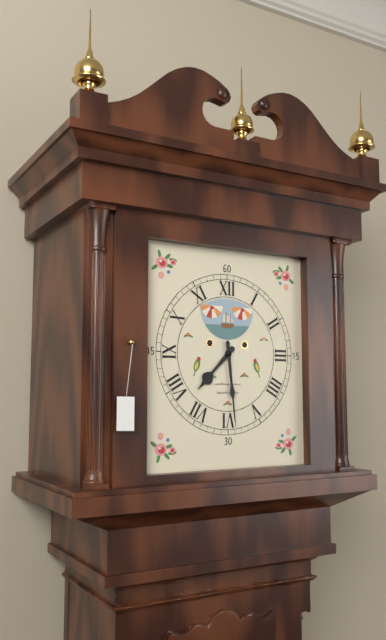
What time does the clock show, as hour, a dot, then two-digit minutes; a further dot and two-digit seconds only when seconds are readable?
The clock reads 7.29
